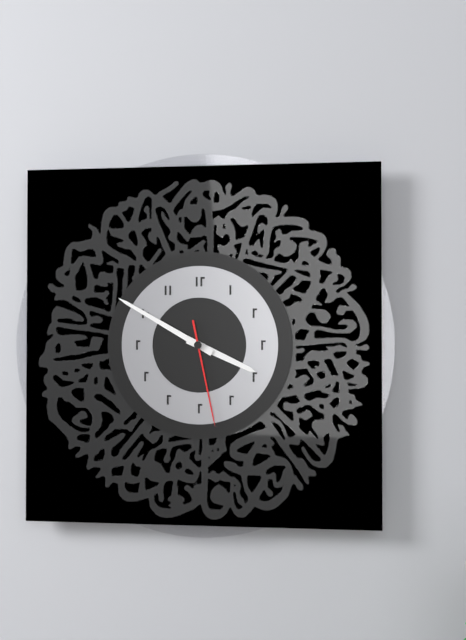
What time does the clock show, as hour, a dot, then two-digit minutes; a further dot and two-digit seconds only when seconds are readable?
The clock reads 3.50.28
